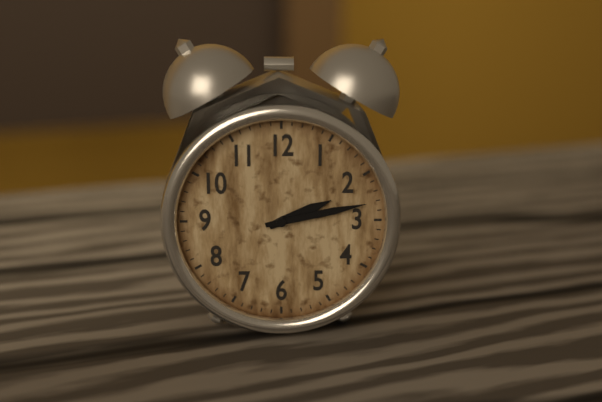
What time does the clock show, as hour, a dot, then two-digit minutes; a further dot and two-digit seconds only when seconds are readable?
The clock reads 2.13
